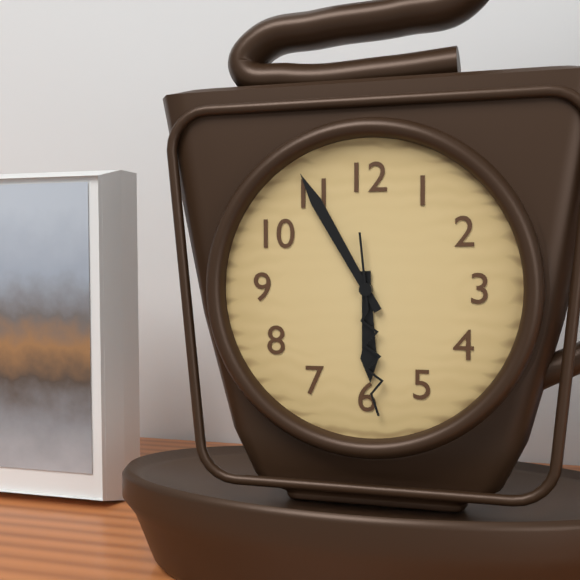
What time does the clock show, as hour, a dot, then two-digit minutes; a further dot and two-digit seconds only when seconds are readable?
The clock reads 5.55.29
